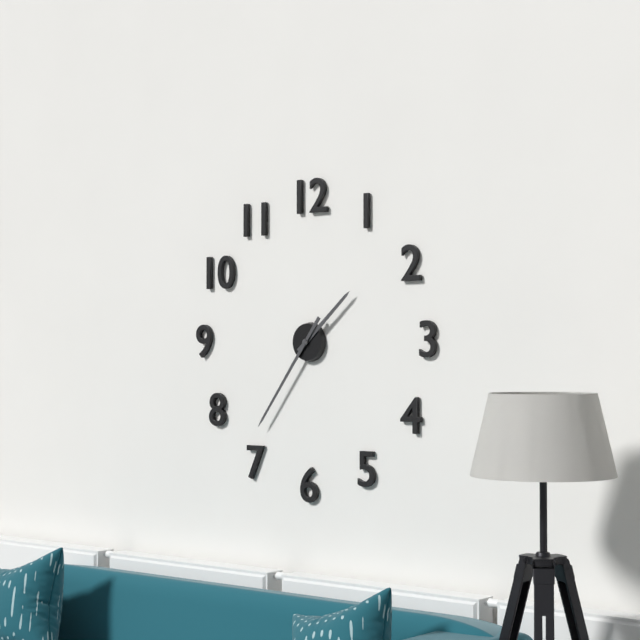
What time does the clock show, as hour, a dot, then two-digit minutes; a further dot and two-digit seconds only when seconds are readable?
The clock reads 1.36
